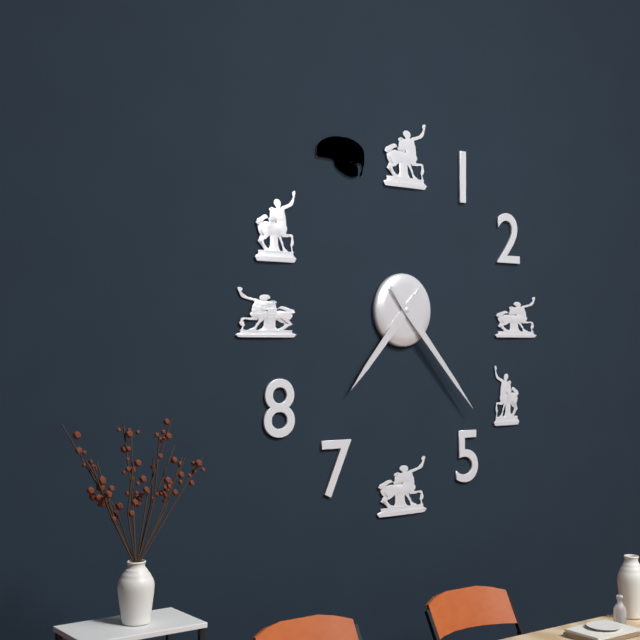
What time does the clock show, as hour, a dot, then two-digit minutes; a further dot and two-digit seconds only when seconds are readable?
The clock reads 7.23
